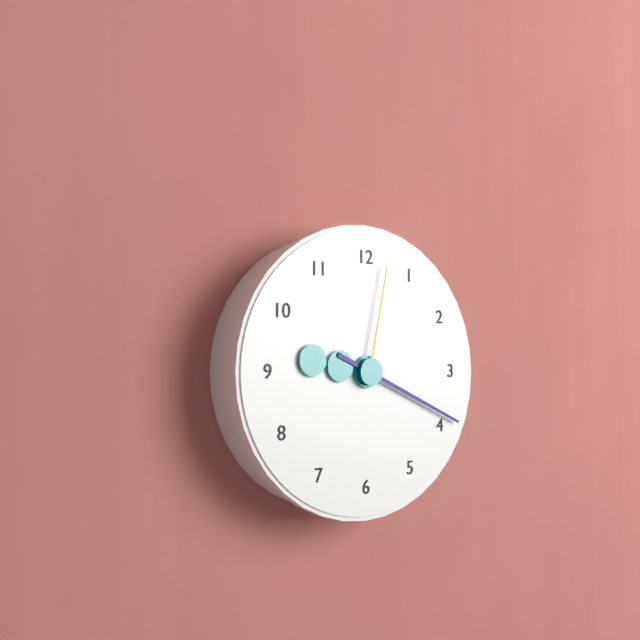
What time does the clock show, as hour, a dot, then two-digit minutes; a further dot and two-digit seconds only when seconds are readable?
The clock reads 9.19.02
